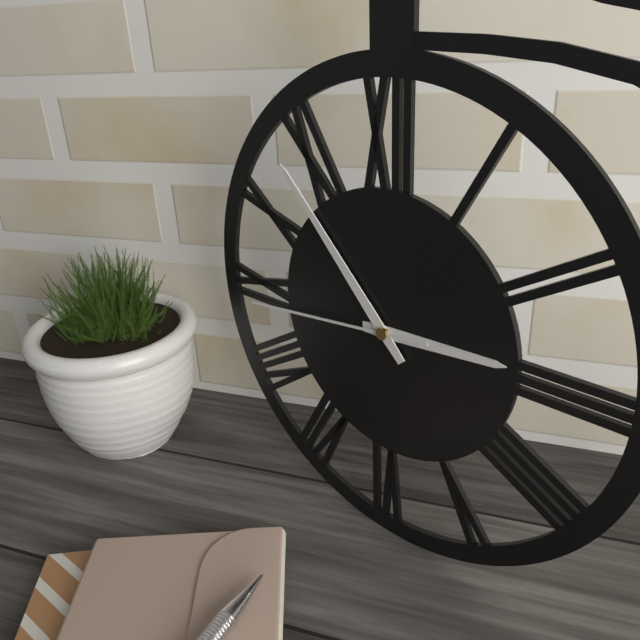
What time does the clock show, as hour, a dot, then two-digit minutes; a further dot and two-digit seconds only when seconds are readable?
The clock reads 2.53.44
